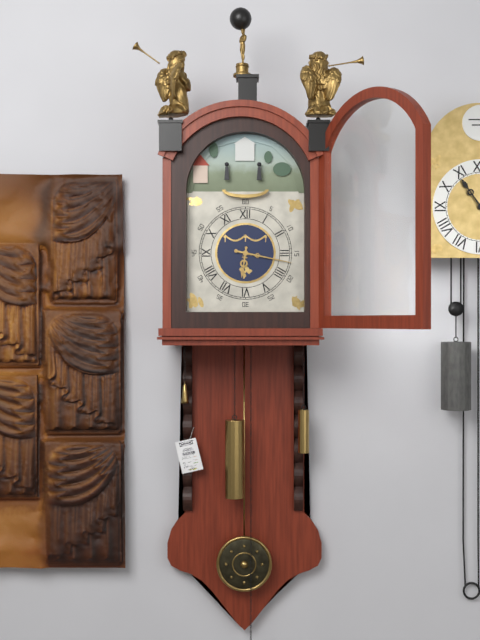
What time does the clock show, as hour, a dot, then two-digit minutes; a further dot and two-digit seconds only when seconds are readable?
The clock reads 6.17
